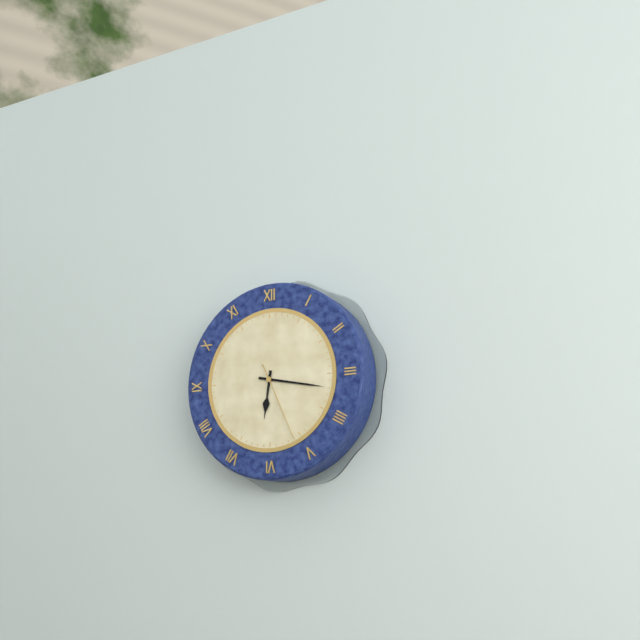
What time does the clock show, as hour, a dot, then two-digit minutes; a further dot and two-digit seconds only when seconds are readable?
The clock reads 6.17.26
